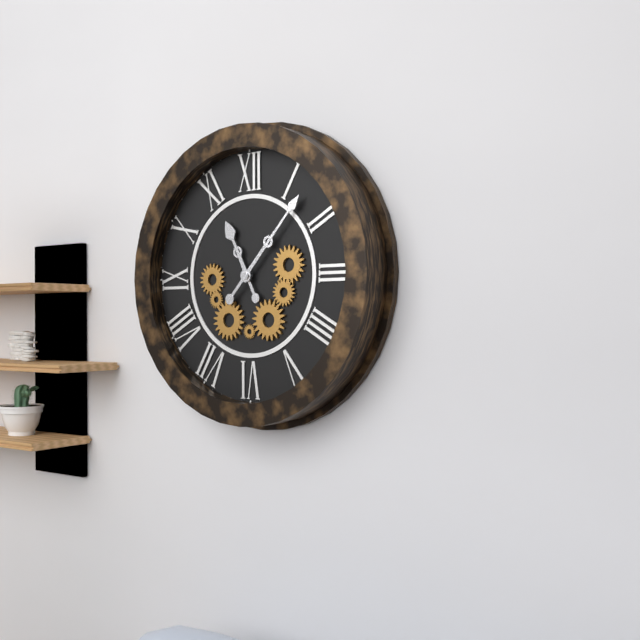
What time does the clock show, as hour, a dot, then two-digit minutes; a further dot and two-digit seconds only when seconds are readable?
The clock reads 11.07
